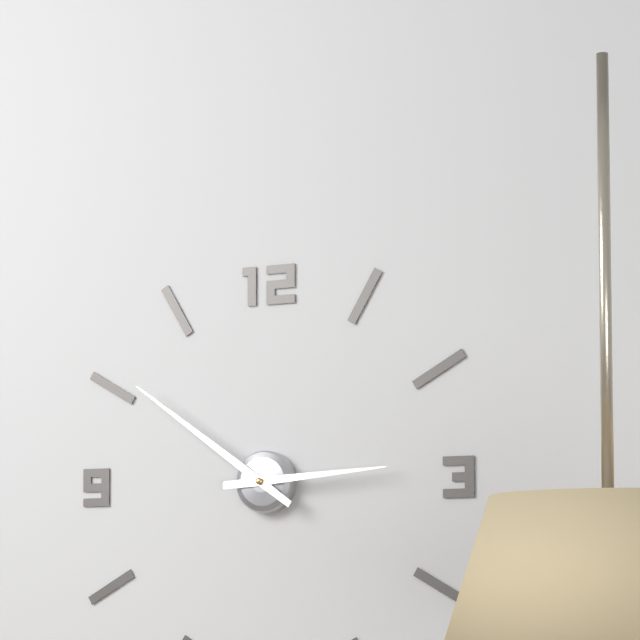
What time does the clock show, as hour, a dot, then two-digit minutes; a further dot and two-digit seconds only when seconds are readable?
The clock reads 2.51
